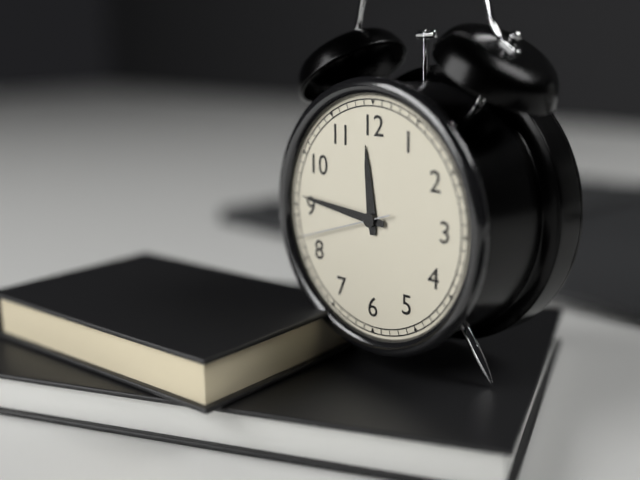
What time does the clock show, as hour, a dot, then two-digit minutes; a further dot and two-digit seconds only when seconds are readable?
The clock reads 11.46.42
